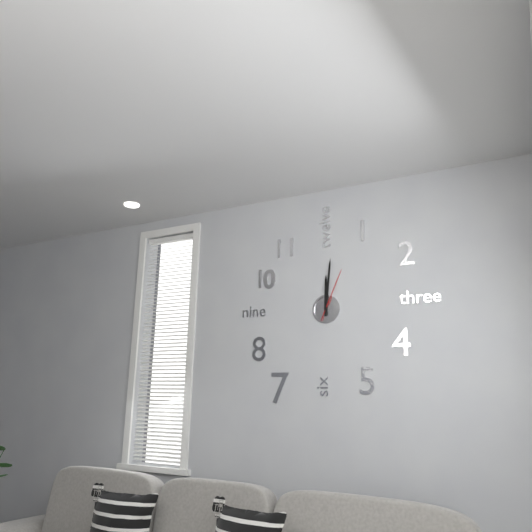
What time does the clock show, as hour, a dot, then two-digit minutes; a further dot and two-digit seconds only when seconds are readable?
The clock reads 12.01.04
